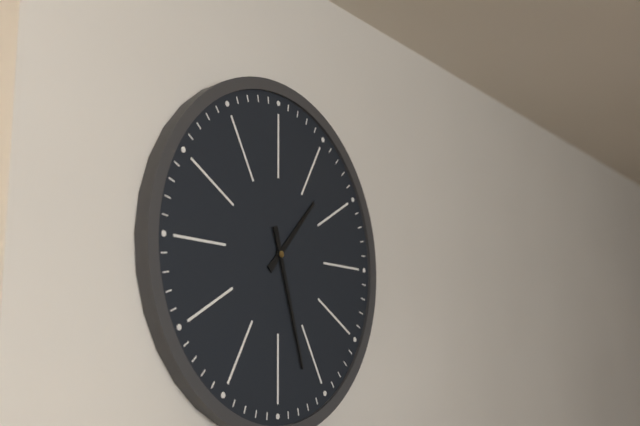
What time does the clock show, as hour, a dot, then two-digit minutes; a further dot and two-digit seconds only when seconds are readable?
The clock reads 1.27
